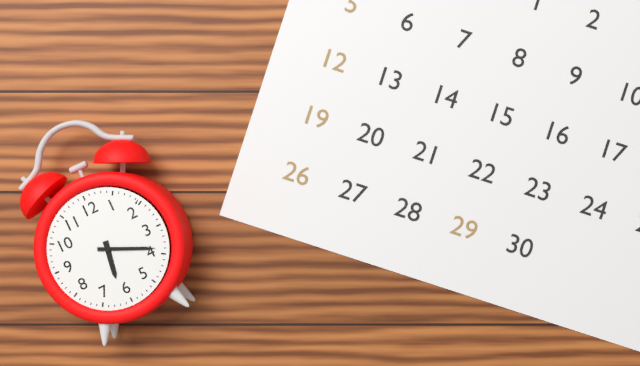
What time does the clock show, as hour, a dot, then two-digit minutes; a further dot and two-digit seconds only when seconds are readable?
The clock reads 6.19
